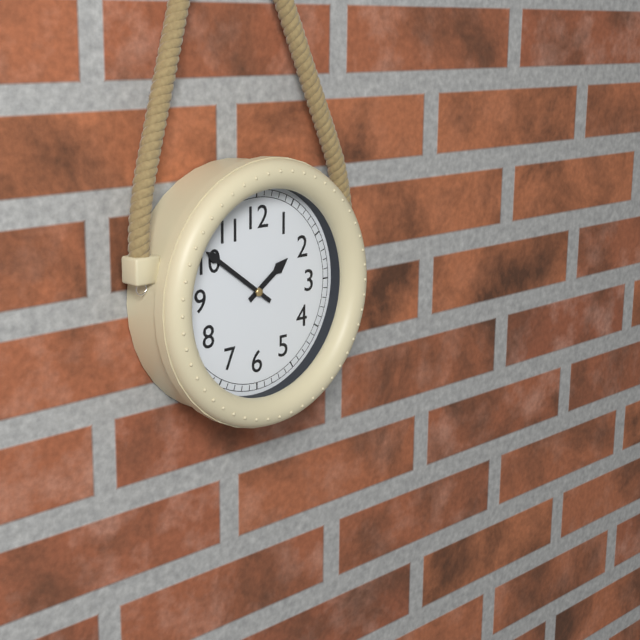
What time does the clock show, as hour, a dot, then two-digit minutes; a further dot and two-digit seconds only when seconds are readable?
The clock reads 1.51
